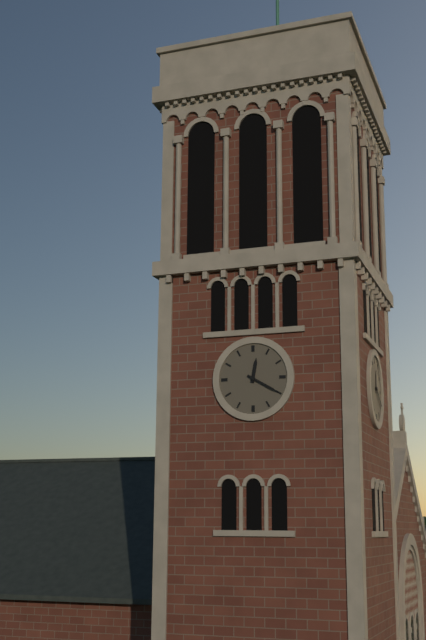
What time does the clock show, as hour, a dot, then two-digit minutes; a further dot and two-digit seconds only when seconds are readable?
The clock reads 12.20
